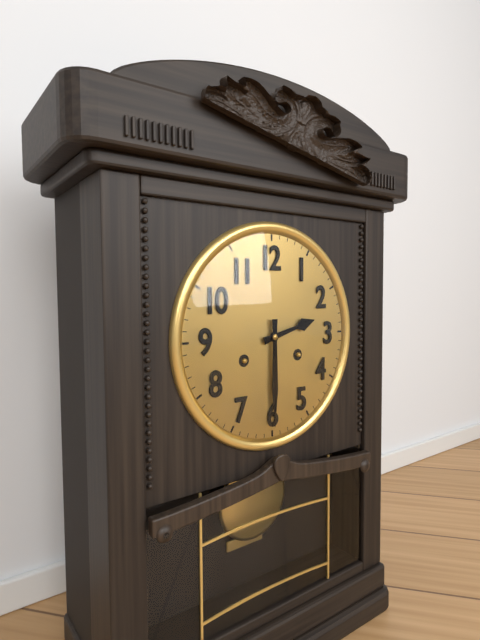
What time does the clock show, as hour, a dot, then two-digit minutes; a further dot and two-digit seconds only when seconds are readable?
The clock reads 2.30
